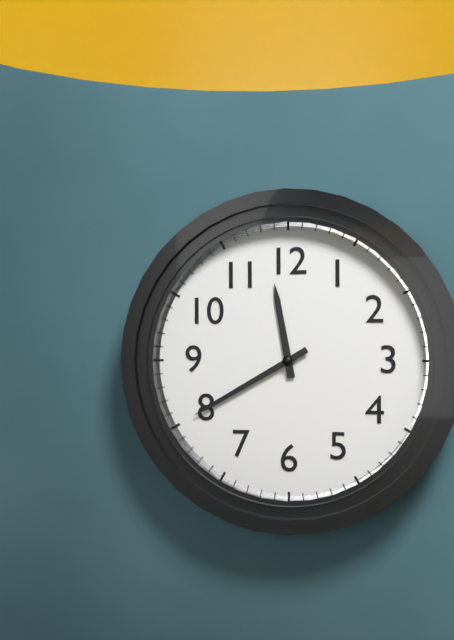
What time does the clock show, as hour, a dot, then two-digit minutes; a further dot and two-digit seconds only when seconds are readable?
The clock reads 11.40
